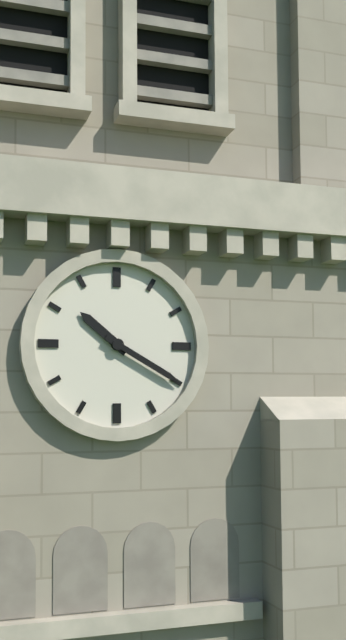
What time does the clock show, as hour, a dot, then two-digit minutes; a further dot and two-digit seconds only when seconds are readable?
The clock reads 10.20
